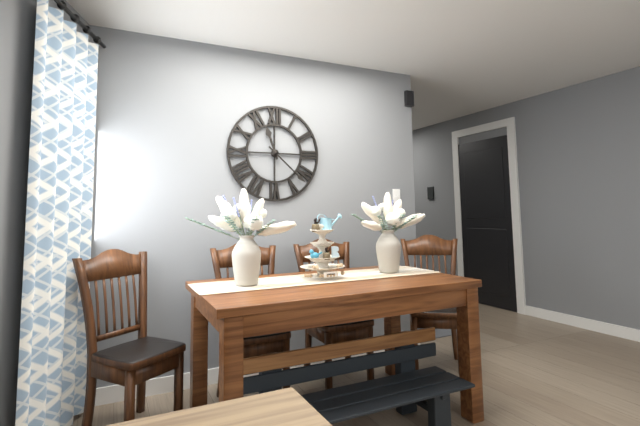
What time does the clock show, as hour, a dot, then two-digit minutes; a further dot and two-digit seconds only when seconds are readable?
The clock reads 11.22
